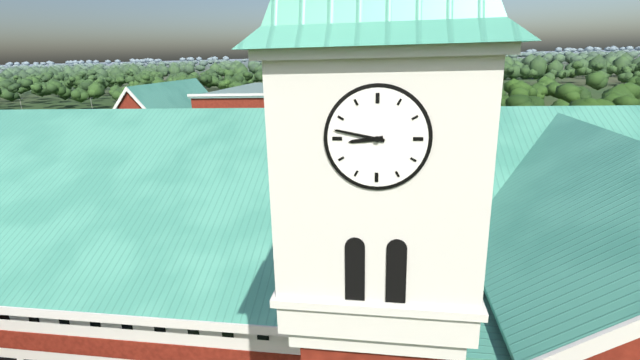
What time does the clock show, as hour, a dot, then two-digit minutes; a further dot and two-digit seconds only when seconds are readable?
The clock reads 8.47
